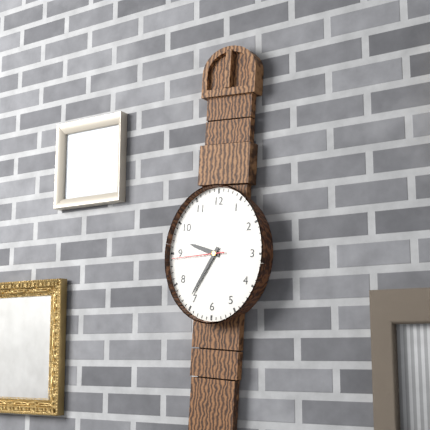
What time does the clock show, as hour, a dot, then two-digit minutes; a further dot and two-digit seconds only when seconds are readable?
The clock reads 9.35.44
